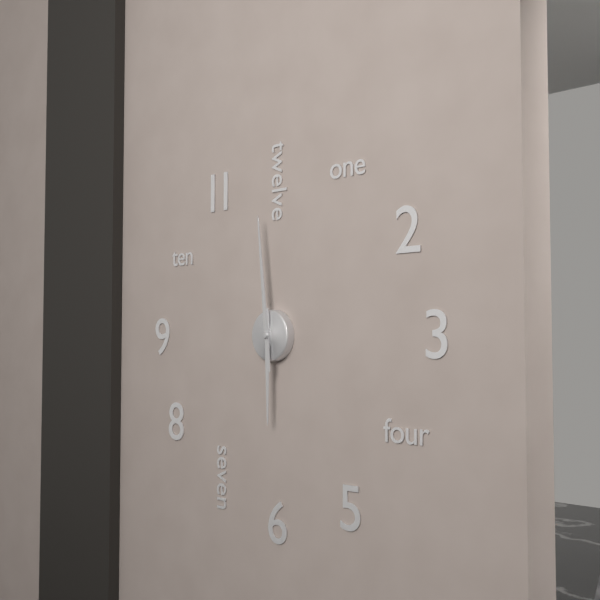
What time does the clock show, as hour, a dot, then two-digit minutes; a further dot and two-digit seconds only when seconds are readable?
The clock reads 5.59
